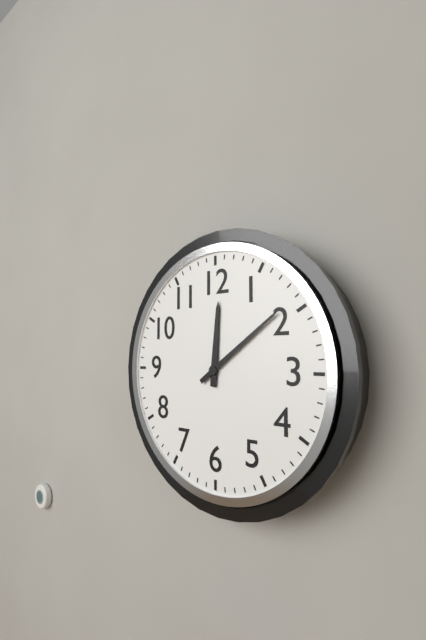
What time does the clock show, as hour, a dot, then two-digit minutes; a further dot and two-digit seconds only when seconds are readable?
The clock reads 12.09
